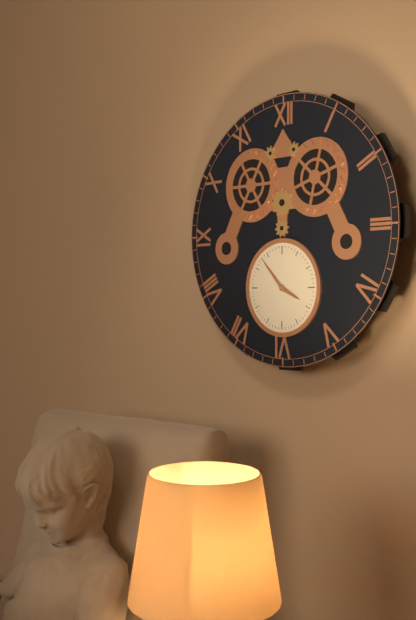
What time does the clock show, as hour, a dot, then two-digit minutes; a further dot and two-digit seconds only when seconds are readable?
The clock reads 3.53
